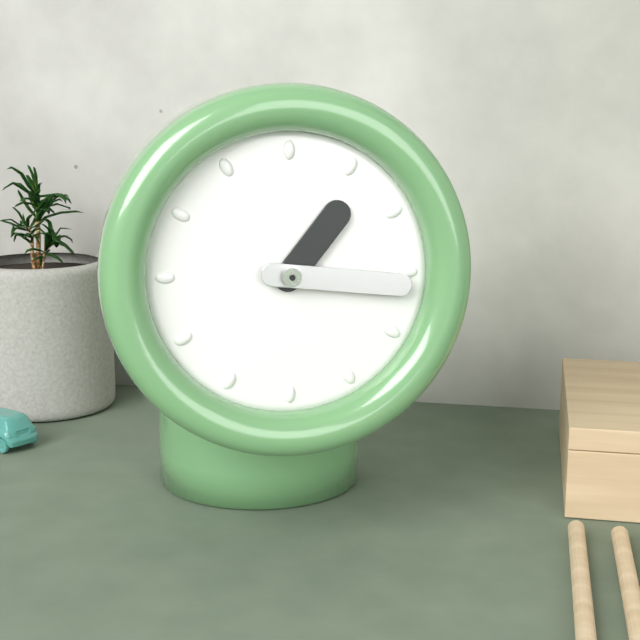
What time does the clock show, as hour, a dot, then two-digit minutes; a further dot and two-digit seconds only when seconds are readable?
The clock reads 1.16
